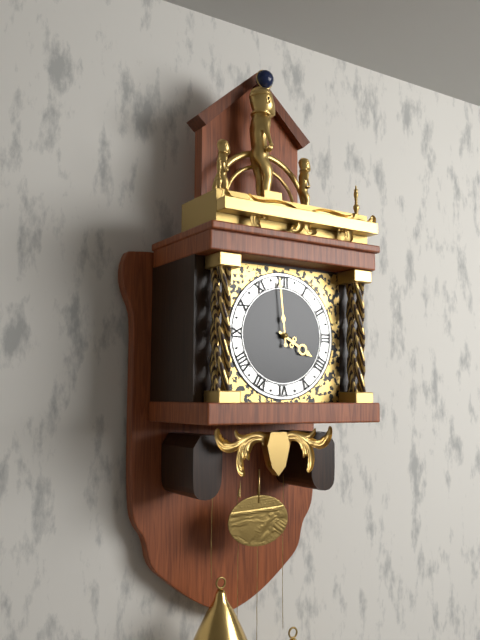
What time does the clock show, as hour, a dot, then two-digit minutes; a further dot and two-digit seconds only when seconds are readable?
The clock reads 3.59
